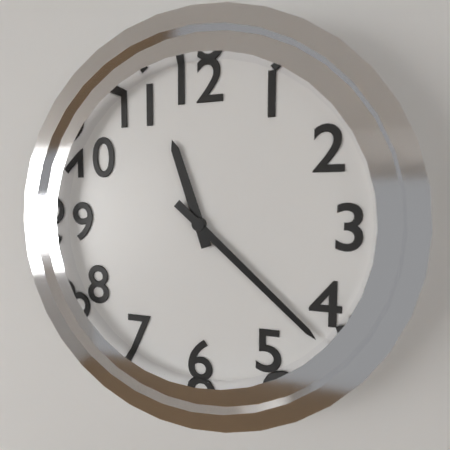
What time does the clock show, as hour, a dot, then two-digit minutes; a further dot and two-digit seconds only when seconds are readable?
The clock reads 11.22
